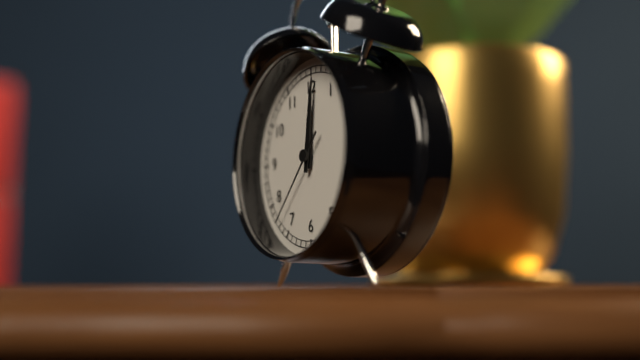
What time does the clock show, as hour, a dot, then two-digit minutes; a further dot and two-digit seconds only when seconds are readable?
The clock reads 12.01.37
